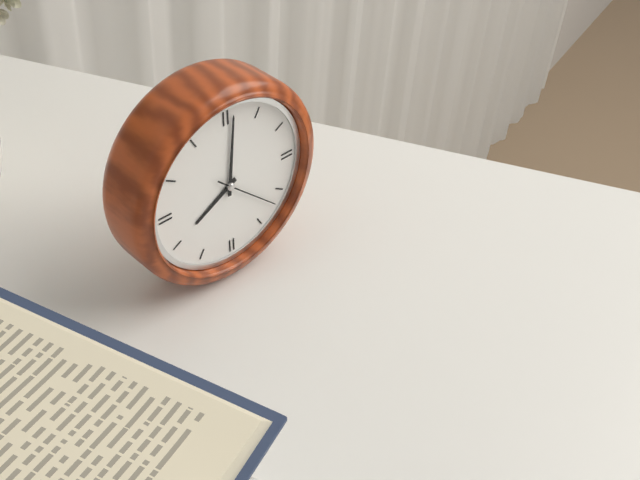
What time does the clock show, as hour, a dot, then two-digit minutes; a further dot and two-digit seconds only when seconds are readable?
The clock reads 8.01.22
